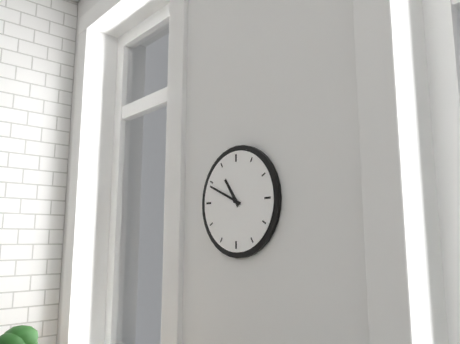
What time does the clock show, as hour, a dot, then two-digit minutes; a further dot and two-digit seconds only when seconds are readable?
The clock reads 10.49
